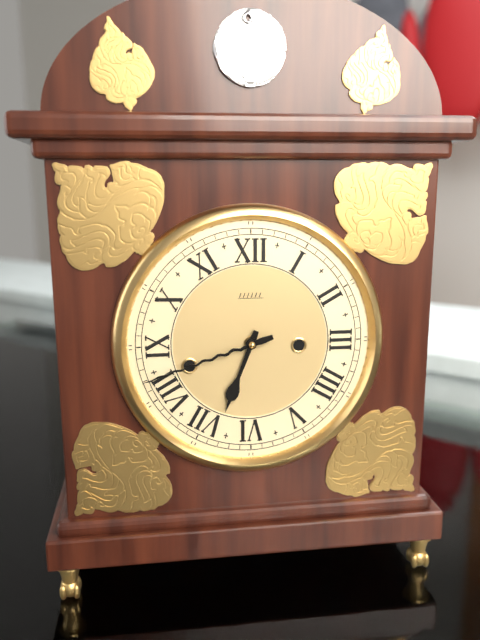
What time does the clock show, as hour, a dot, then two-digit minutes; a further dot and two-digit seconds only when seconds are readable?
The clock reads 6.42
